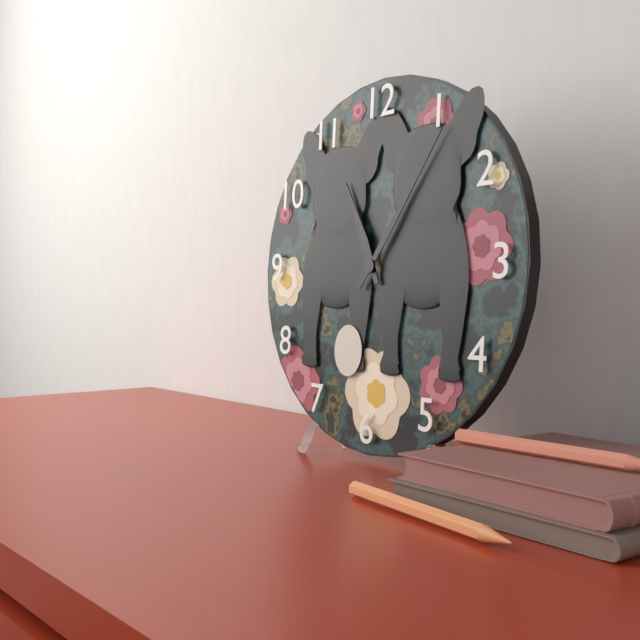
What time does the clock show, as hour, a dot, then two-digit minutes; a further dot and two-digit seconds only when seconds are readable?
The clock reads 11.06
